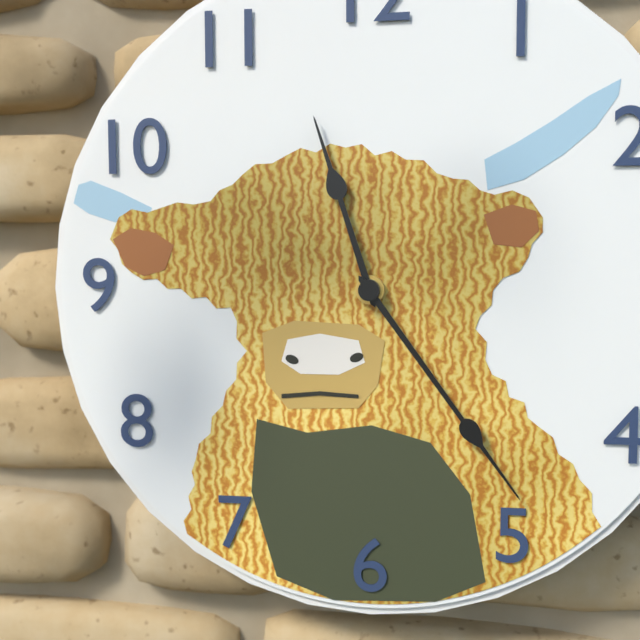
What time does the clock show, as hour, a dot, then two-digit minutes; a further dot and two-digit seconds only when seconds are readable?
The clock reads 11.24
